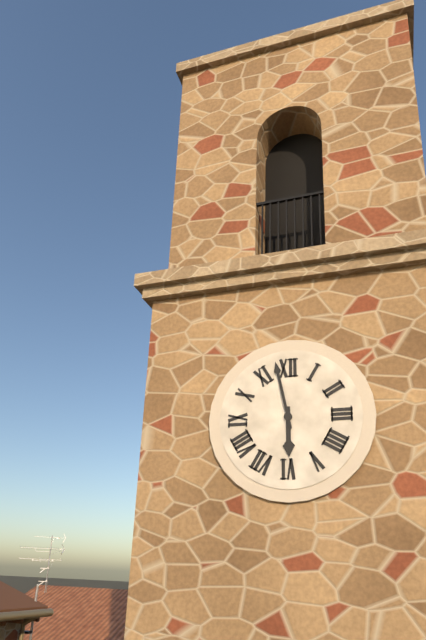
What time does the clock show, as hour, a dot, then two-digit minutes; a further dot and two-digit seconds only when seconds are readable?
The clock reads 5.58
